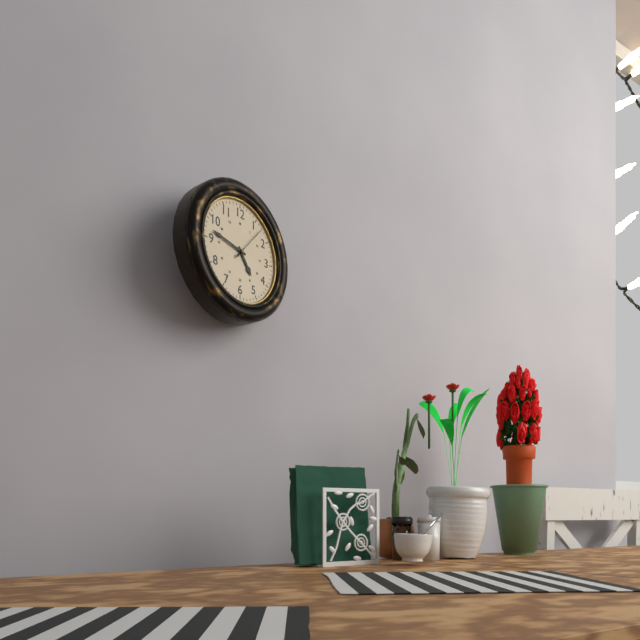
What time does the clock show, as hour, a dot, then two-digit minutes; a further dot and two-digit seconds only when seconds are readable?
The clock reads 4.47
